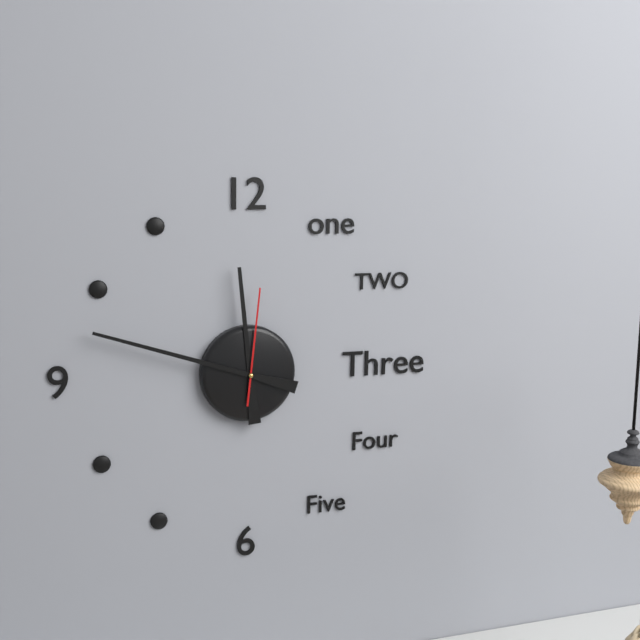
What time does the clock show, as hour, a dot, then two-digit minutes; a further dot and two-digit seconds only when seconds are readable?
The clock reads 11.48.01
